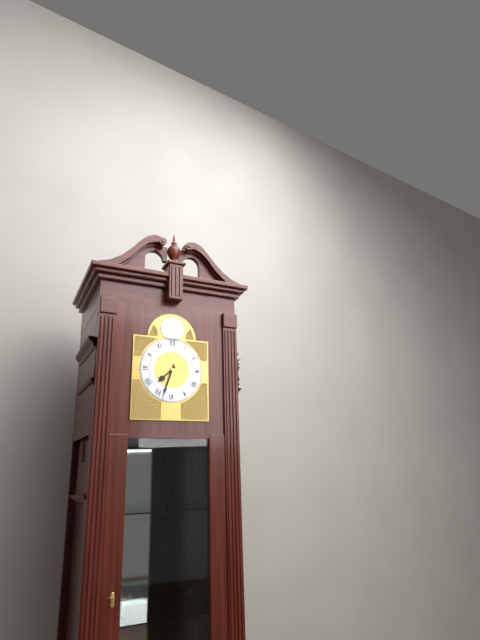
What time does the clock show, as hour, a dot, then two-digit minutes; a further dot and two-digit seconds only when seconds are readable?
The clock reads 7.33
